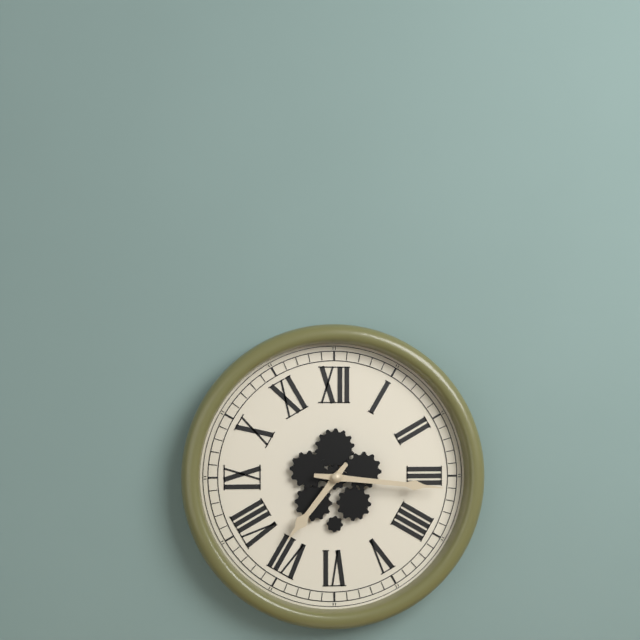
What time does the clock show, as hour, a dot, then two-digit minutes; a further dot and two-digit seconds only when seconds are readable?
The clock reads 7.16
